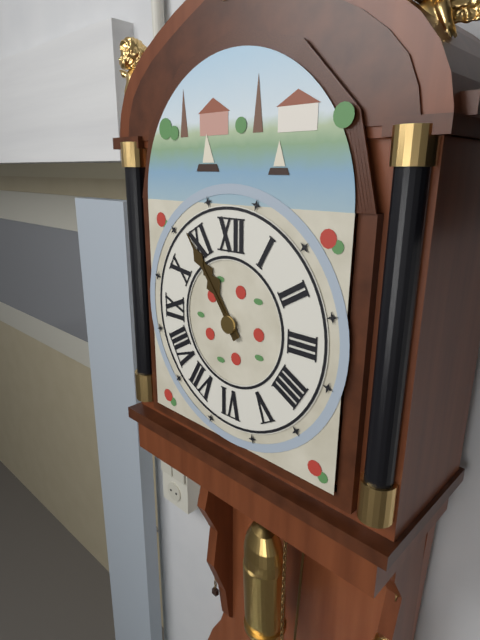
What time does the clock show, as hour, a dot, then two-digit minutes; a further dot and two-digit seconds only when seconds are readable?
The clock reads 10.54
